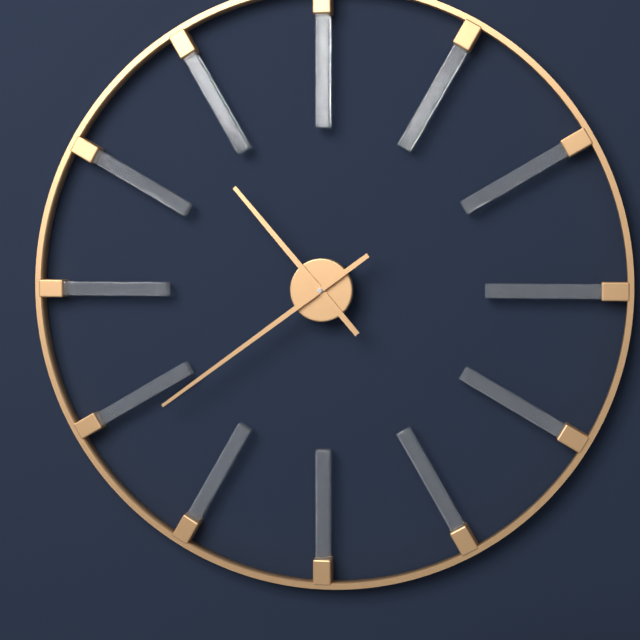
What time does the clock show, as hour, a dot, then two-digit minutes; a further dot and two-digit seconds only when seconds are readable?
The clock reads 10.39
